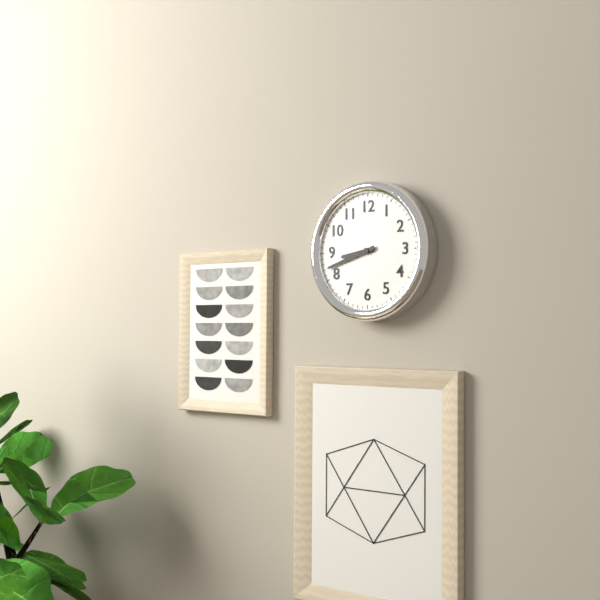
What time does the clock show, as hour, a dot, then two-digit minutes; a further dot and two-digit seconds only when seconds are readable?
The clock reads 8.42
